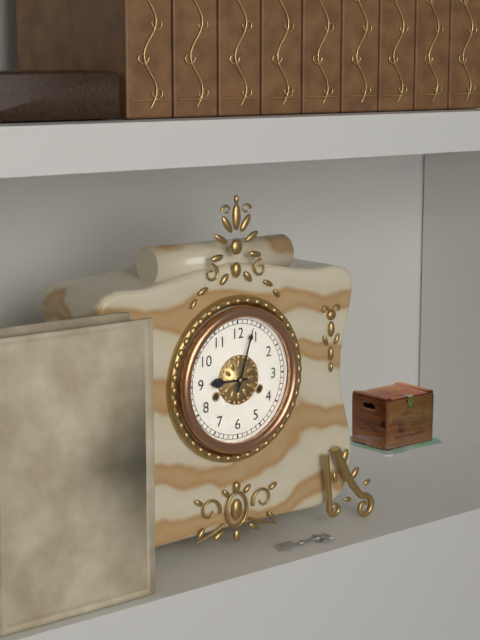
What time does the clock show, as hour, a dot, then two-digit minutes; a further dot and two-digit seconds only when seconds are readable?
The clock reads 9.03
